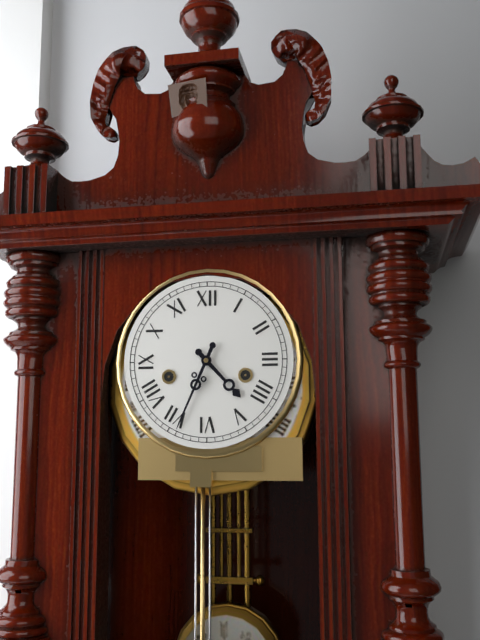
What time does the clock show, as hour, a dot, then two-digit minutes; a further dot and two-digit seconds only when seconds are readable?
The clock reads 4.34
